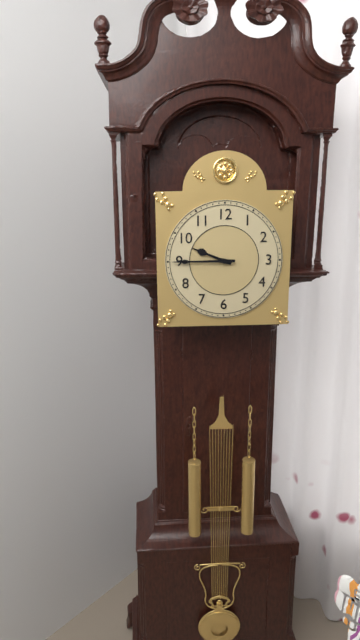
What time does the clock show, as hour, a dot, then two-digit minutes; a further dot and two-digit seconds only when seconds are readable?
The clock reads 9.45
